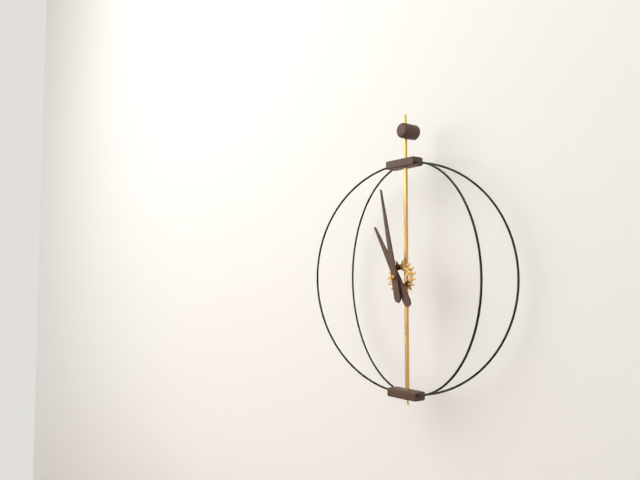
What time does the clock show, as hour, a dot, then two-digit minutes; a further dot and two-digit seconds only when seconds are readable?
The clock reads 10.58
